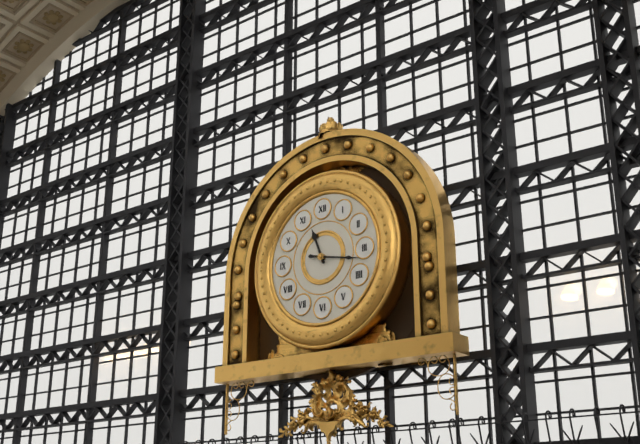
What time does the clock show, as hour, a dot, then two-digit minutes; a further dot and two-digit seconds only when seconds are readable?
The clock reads 11.17
